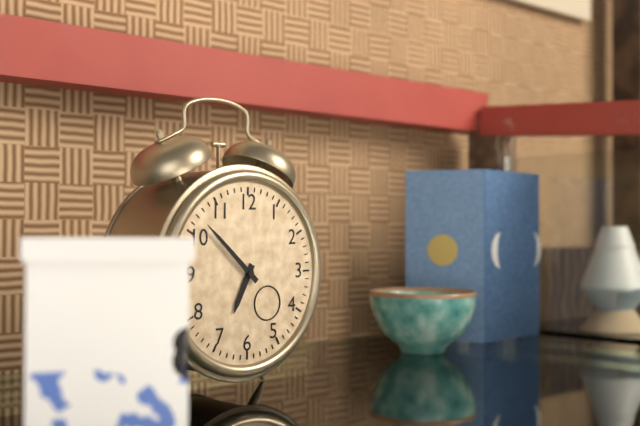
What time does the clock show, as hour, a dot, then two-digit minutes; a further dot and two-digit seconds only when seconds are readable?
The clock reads 6.52
